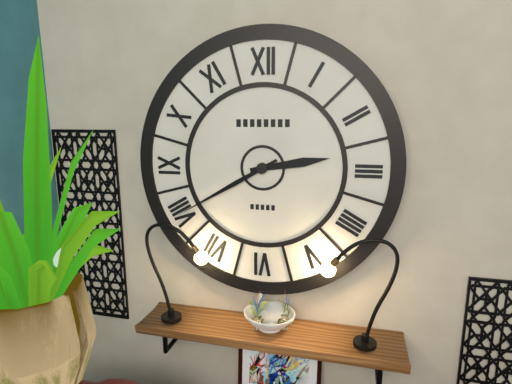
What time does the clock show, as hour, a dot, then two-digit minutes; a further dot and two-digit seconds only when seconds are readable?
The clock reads 2.40
